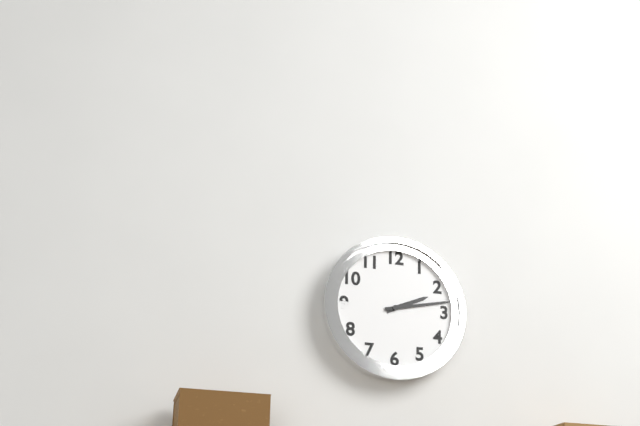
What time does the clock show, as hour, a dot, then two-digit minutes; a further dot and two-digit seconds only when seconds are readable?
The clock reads 2.13
